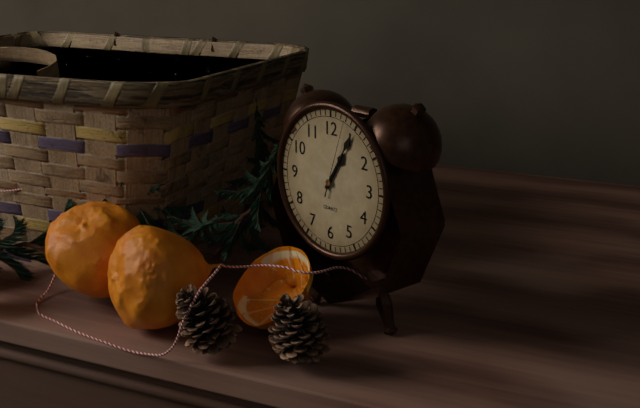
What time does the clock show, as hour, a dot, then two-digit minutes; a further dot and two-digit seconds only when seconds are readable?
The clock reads 1.05.03
